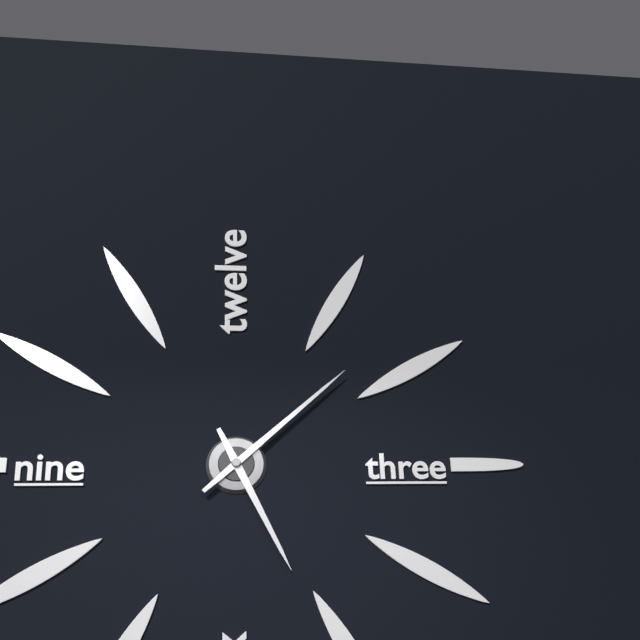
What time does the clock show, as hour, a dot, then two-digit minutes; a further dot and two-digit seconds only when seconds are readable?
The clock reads 5.08
